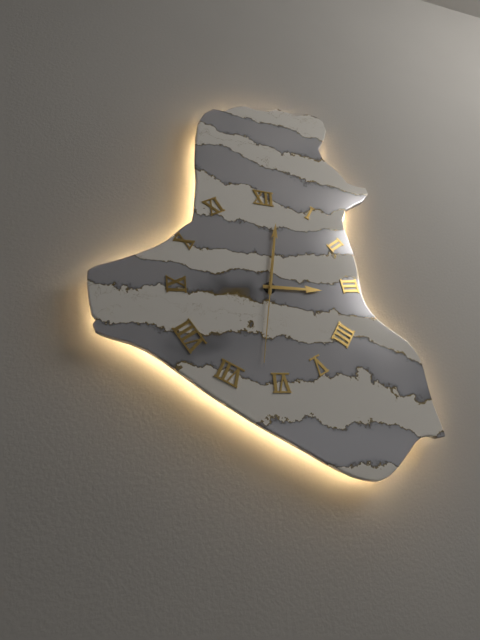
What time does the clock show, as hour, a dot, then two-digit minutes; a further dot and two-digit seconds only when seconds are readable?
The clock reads 3.02.32
